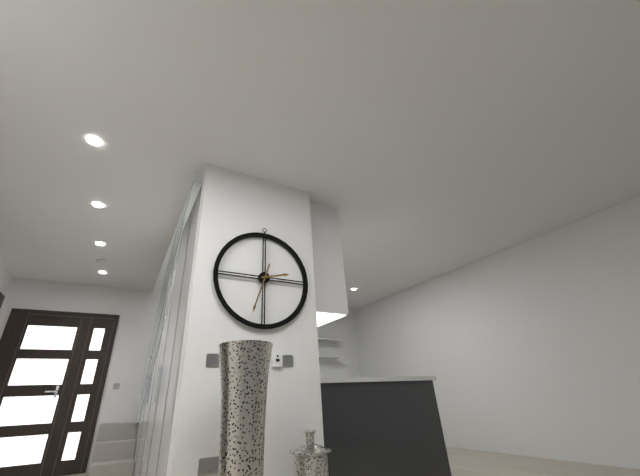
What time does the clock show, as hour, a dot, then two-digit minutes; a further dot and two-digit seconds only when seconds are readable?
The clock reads 2.33
